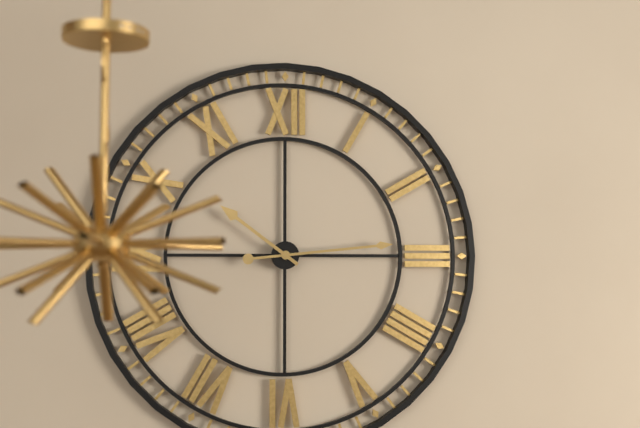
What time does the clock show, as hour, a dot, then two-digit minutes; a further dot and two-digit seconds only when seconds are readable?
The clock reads 10.14
